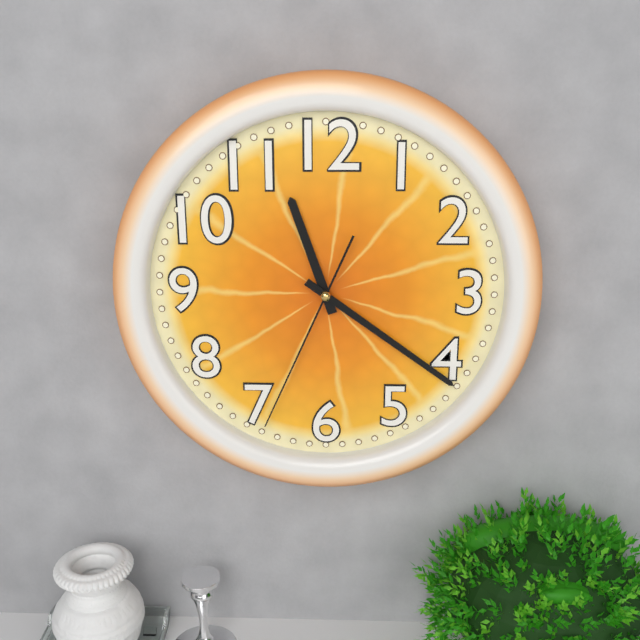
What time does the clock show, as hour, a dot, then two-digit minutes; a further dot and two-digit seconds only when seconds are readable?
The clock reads 11.21.34
